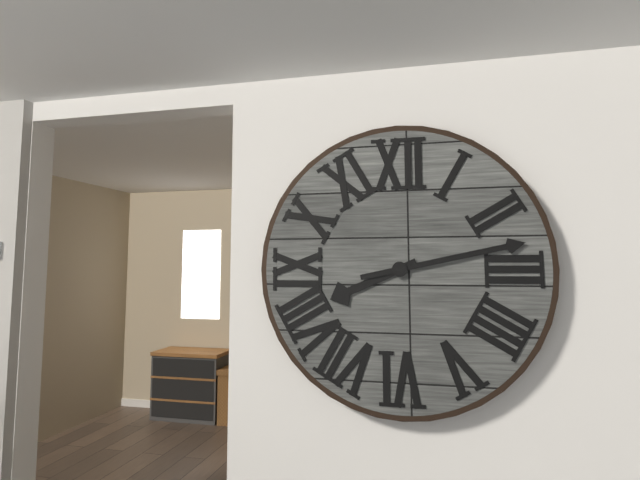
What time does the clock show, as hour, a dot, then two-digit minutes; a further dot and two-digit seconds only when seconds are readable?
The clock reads 8.13
